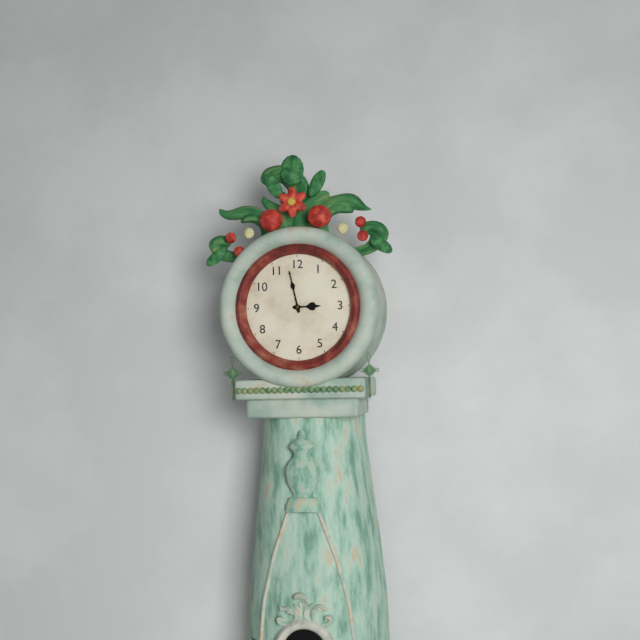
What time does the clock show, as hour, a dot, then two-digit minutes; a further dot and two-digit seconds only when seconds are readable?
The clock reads 2.58
